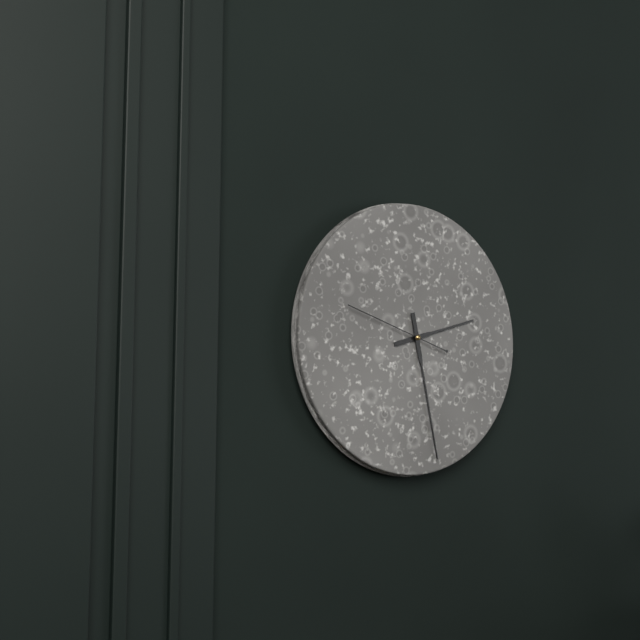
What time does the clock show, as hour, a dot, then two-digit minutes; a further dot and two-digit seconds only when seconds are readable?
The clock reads 2.28.48
